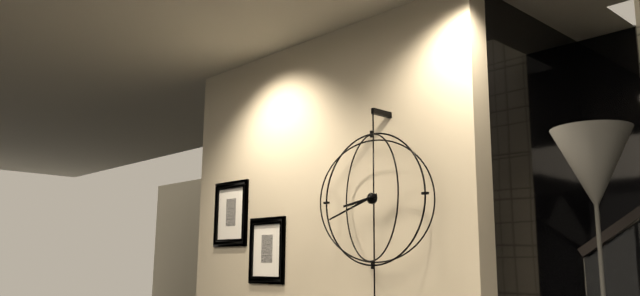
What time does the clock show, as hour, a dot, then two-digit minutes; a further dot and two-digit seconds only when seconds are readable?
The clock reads 8.42
